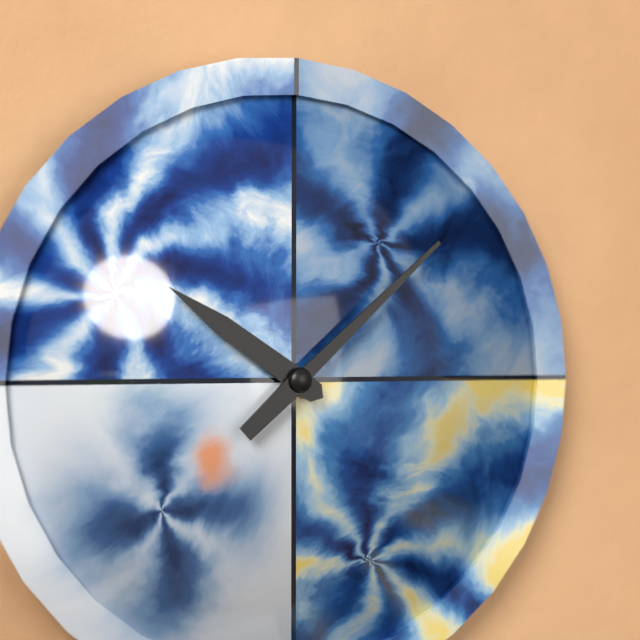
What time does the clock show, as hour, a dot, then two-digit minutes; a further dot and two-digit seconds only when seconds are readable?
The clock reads 10.08
